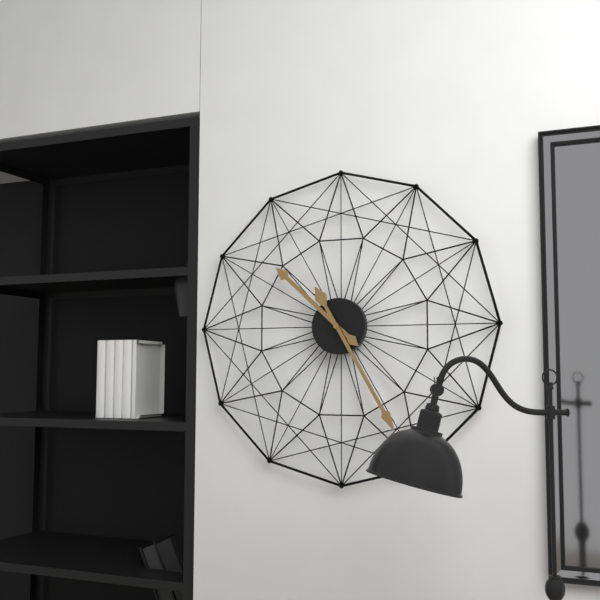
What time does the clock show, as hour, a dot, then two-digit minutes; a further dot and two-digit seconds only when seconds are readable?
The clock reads 10.25
